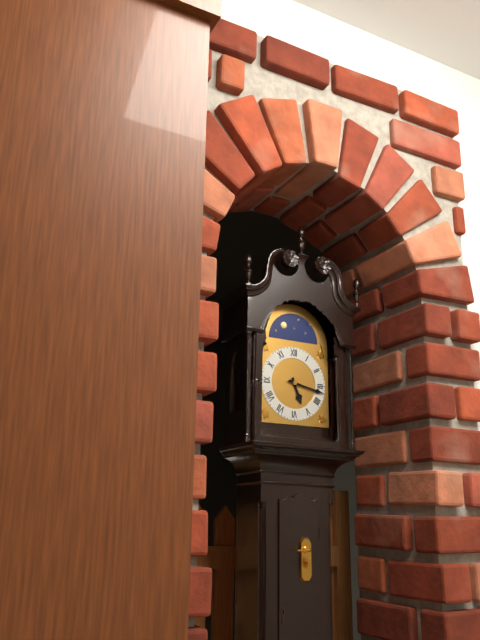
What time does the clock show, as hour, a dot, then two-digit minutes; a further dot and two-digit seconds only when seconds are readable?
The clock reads 5.17
